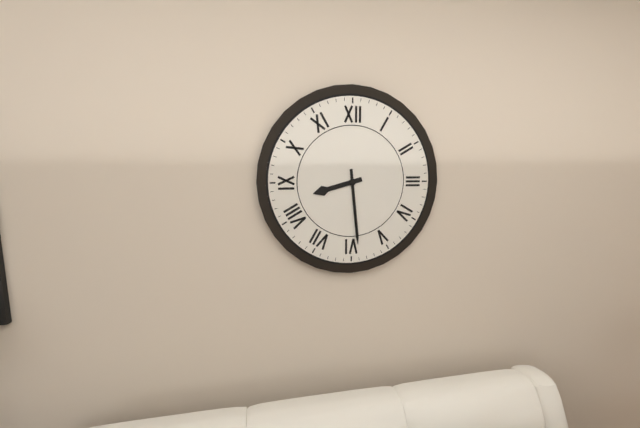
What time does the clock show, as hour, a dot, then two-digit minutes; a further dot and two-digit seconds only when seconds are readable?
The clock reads 8.29
